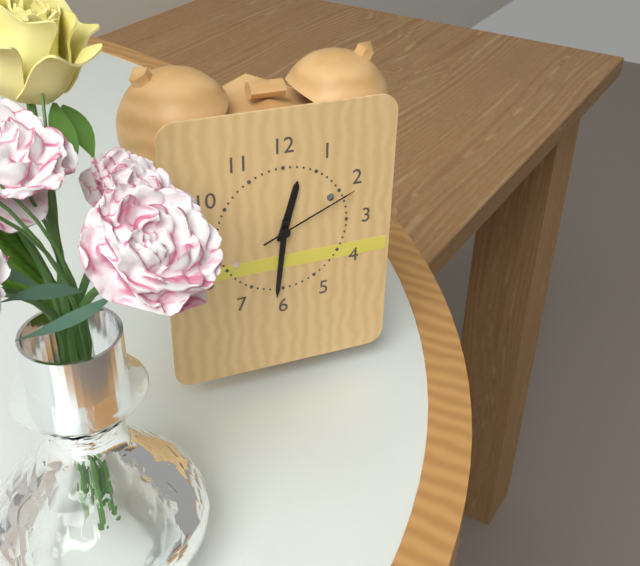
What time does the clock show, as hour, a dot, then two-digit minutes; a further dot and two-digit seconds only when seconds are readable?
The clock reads 12.31.11
